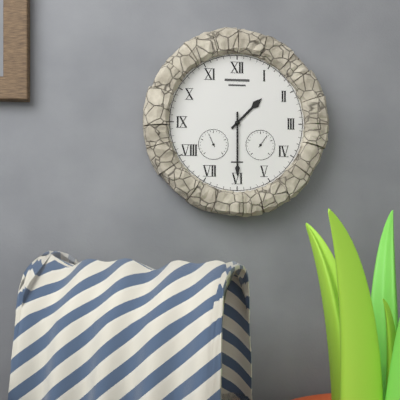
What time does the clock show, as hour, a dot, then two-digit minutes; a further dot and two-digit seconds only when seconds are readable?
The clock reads 1.30
